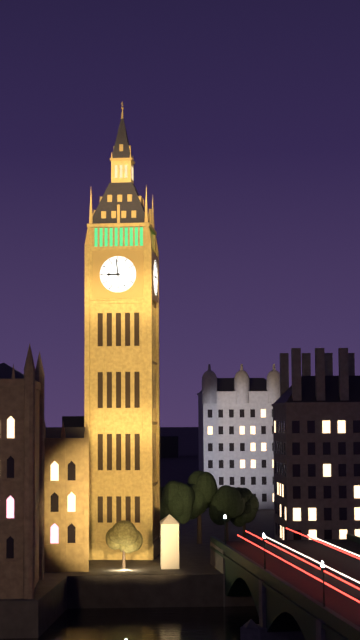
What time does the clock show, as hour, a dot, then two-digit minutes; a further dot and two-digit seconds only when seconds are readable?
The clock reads 8.59
